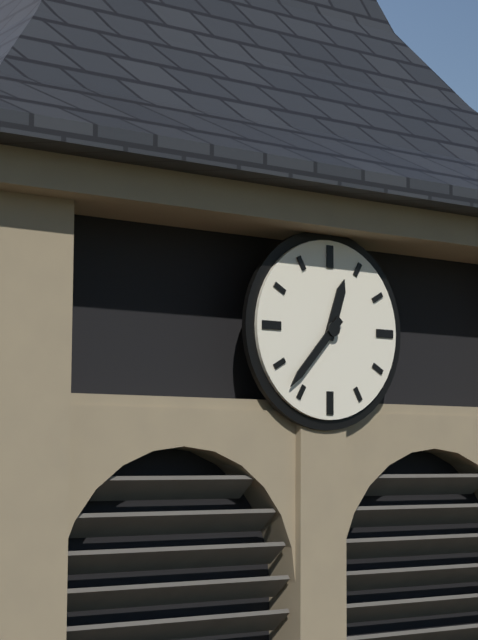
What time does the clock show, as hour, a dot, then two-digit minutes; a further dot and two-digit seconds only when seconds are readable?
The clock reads 12.37
